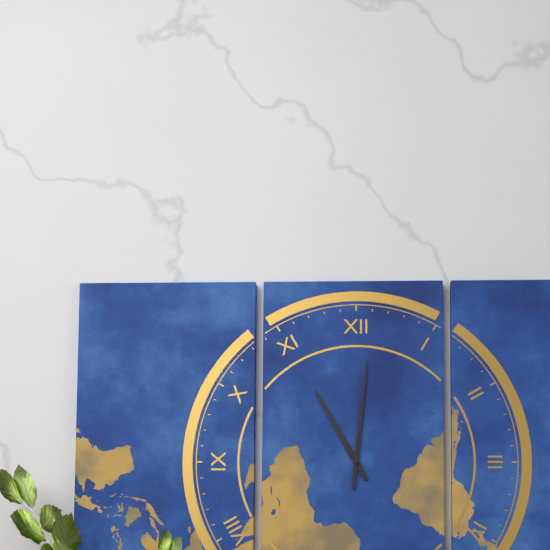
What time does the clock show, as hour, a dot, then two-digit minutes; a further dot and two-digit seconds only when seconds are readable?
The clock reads 11.01
